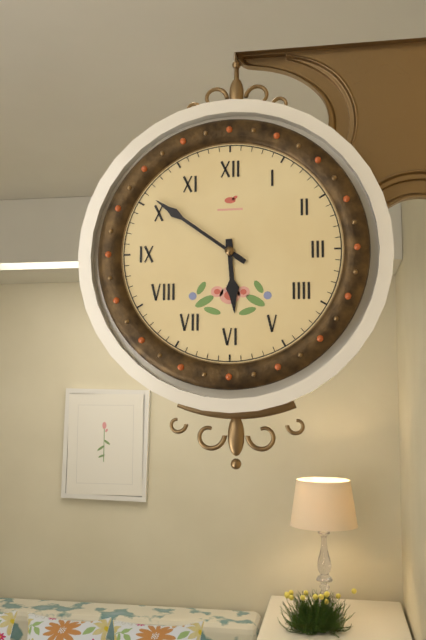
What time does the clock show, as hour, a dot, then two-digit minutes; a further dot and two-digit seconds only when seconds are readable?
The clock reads 5.51
